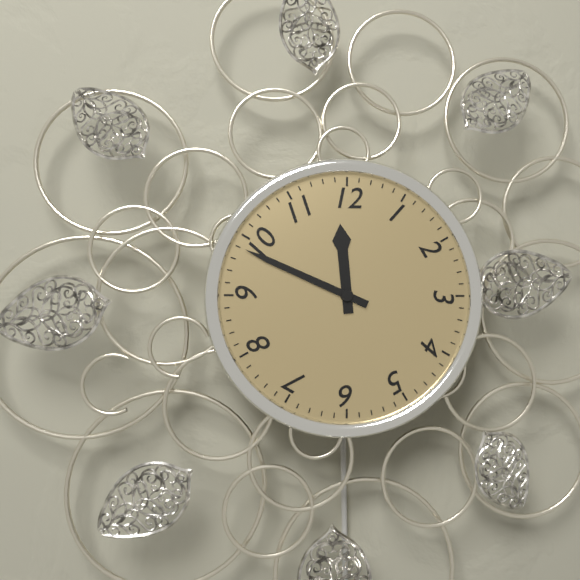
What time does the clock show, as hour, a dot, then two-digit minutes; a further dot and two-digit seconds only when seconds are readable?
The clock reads 11.49
